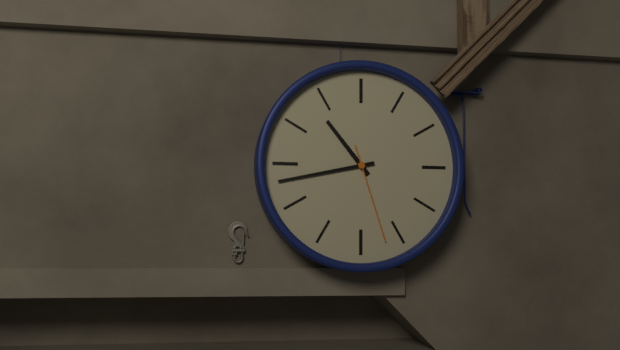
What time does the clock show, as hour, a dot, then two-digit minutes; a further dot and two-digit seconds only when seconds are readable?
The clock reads 10.43.27
